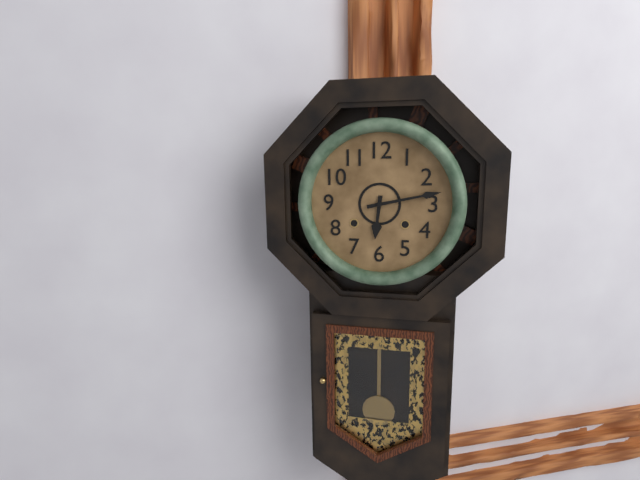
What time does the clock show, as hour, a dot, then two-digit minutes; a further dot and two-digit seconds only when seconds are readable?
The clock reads 6.13
